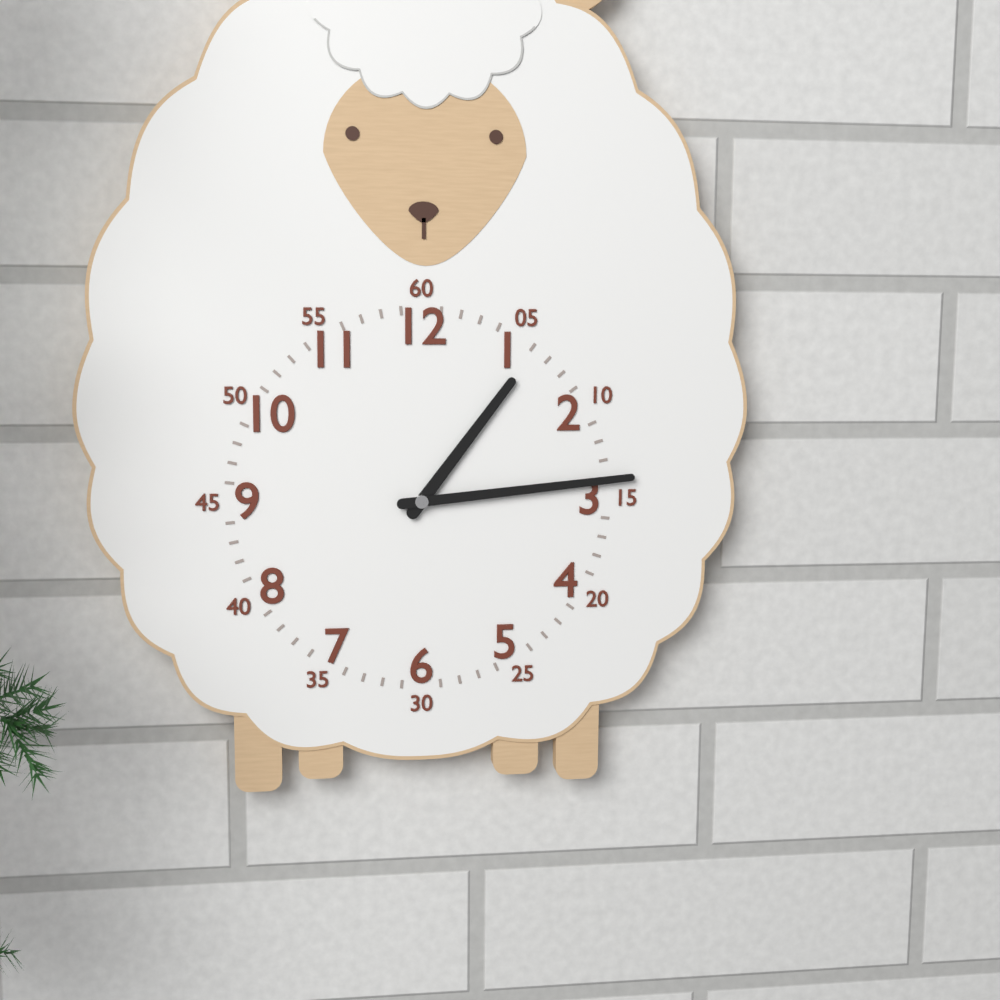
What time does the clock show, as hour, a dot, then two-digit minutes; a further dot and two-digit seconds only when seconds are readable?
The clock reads 1.14
